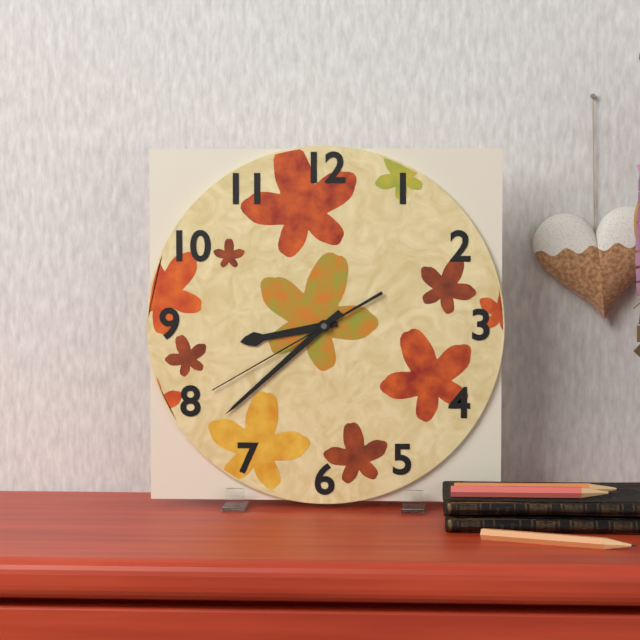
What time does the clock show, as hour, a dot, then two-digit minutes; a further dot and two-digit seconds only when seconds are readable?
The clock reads 8.38.40
